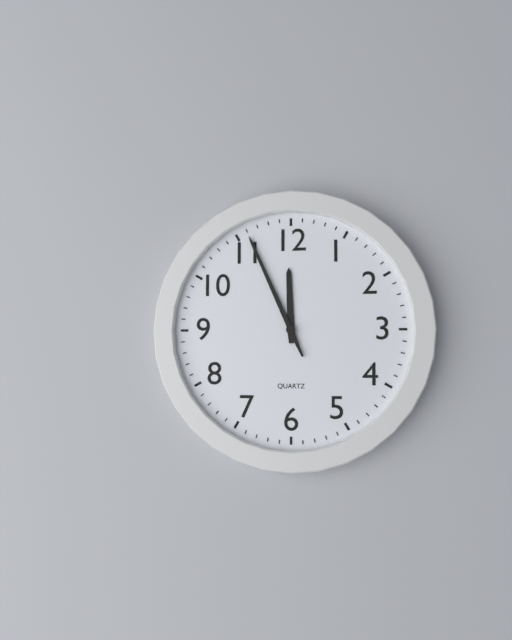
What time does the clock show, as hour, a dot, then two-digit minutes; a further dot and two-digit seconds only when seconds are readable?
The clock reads 11.56
